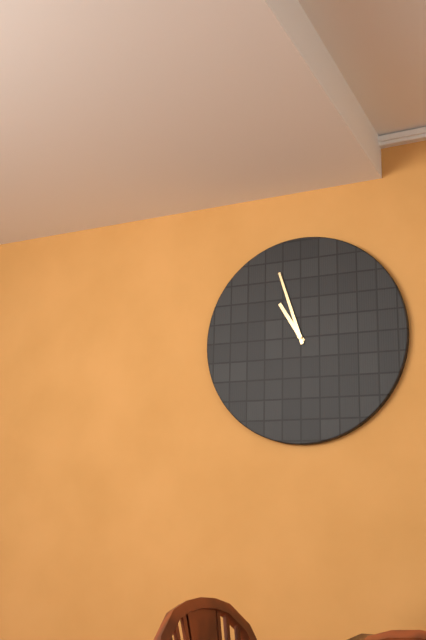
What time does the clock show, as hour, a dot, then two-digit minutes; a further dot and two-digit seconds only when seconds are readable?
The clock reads 10.57
